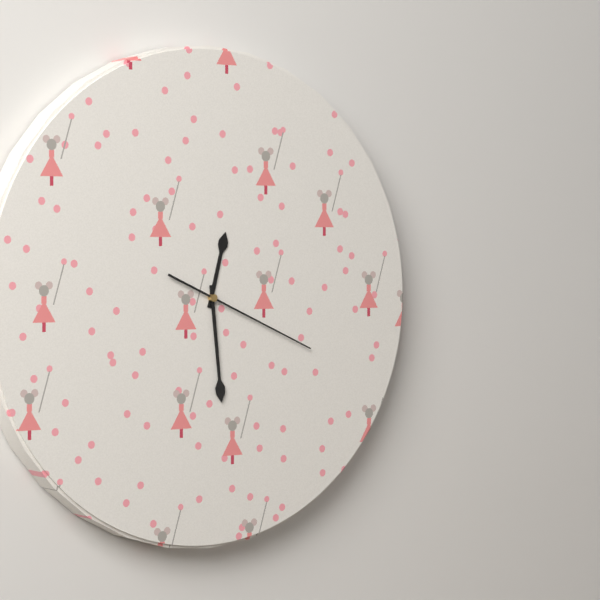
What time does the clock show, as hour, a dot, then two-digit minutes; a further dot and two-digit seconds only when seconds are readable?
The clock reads 12.29.19
